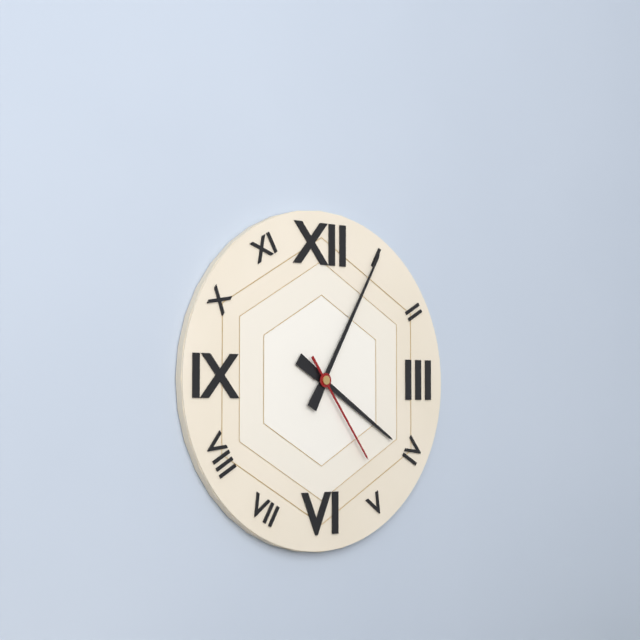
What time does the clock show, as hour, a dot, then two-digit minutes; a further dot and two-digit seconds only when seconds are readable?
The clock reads 4.05.24
